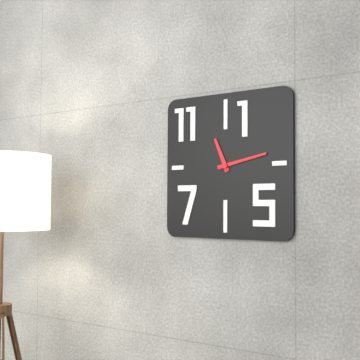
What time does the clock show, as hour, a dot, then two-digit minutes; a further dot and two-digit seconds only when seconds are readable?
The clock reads 11.13
